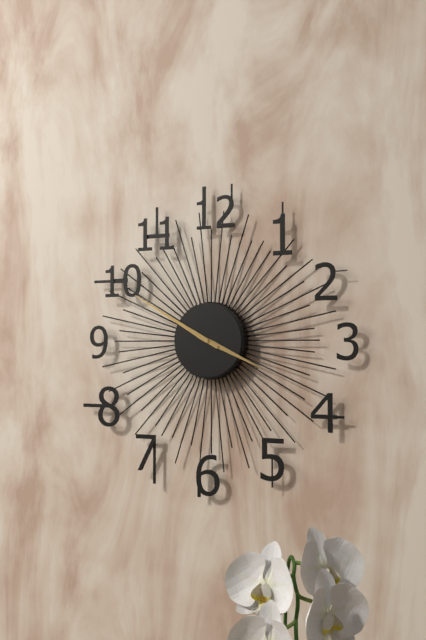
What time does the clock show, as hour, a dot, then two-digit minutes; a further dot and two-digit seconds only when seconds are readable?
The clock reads 3.50
